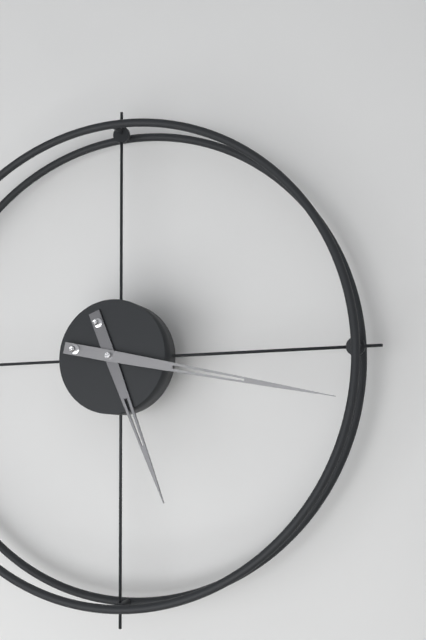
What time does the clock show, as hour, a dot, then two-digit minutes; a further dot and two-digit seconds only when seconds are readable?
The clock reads 5.17
